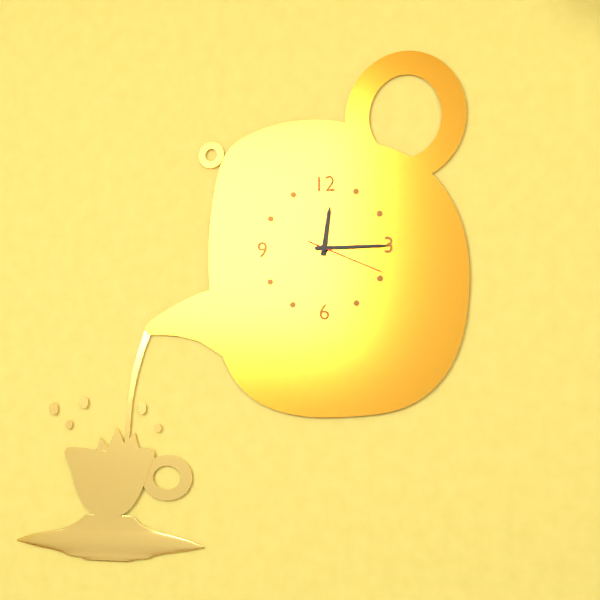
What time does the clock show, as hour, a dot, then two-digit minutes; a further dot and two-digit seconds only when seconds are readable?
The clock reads 12.15.19
